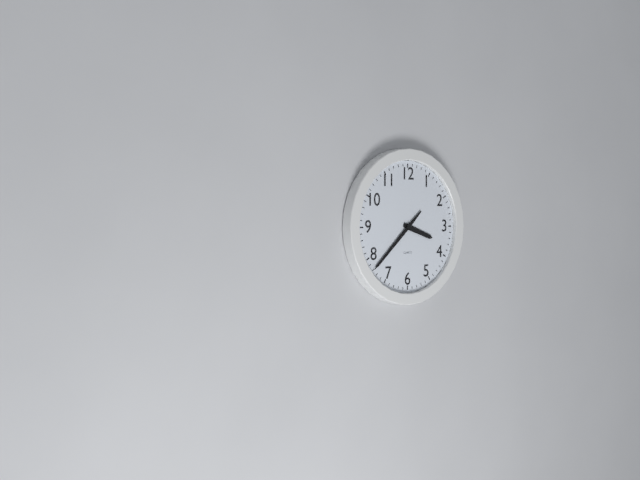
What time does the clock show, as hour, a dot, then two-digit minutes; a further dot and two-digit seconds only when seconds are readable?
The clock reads 3.38
